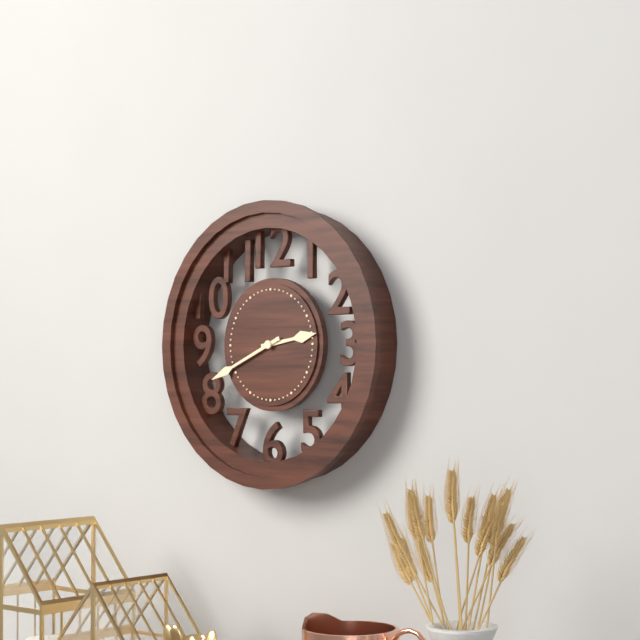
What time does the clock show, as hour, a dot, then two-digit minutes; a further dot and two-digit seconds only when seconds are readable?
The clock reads 2.41
